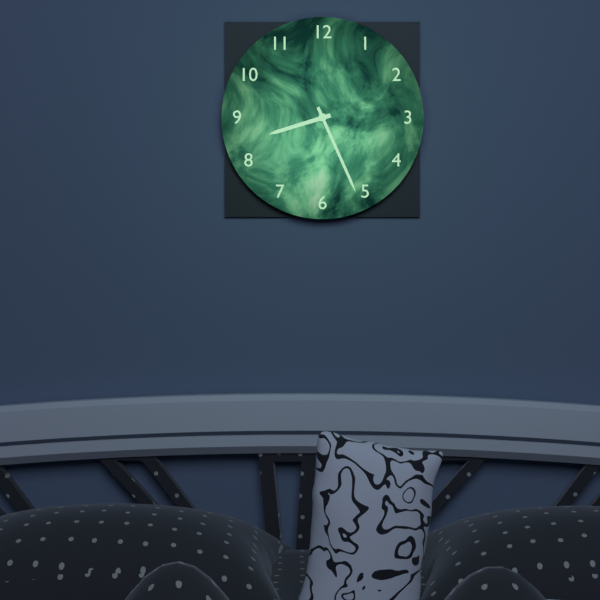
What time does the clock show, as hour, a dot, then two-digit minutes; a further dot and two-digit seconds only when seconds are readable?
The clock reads 8.26
